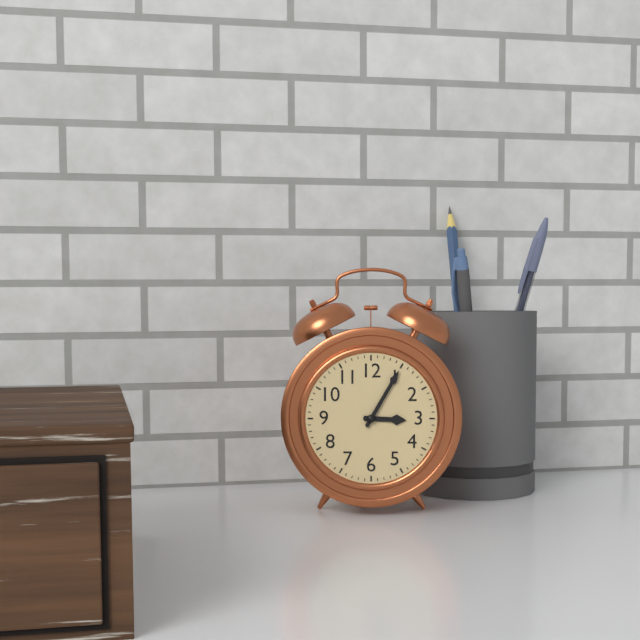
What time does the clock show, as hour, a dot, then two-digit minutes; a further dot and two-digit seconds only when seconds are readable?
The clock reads 3.05
